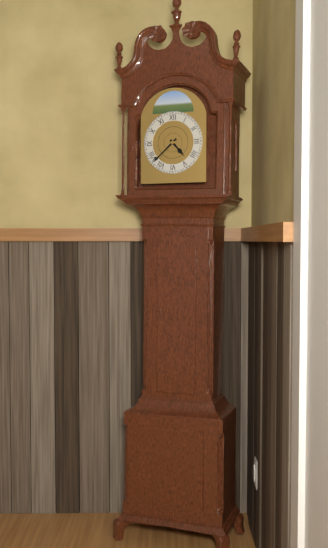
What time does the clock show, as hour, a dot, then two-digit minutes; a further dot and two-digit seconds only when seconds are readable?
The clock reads 4.38
